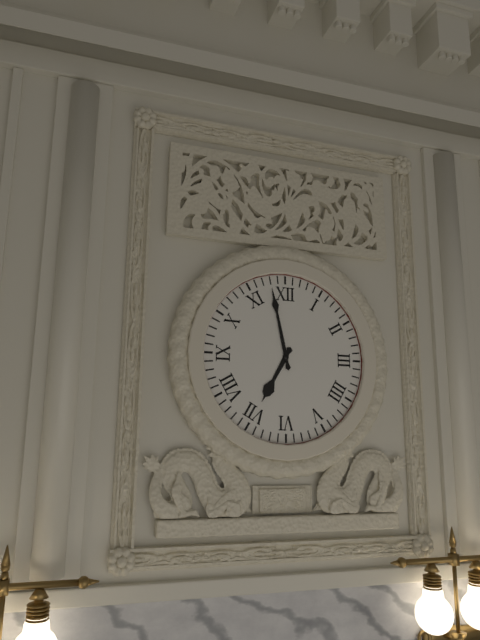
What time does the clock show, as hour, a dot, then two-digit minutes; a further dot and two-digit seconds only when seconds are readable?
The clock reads 6.58
